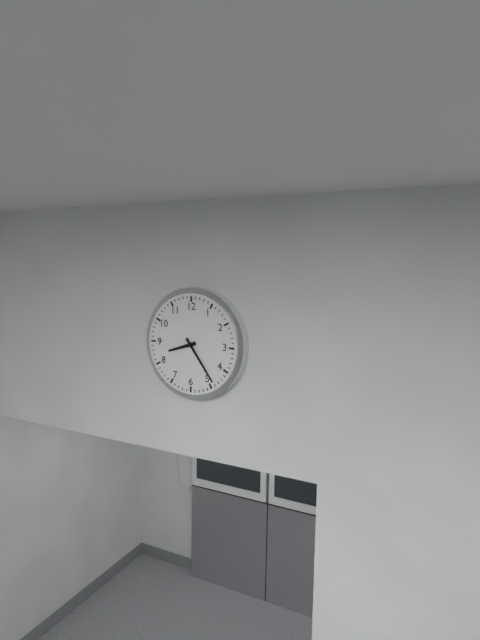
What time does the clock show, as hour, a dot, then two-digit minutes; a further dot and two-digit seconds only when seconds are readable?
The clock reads 8.24
